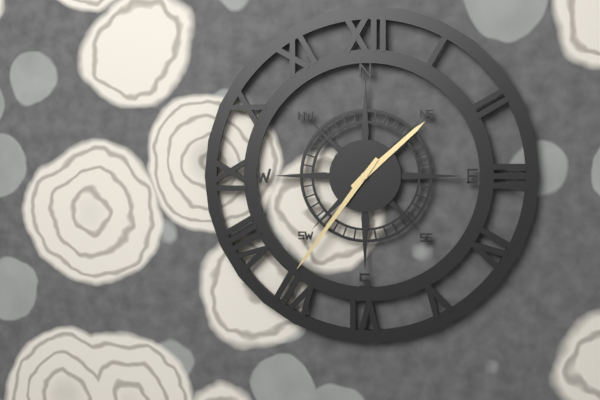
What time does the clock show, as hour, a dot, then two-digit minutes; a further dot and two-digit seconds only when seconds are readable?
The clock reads 1.36
